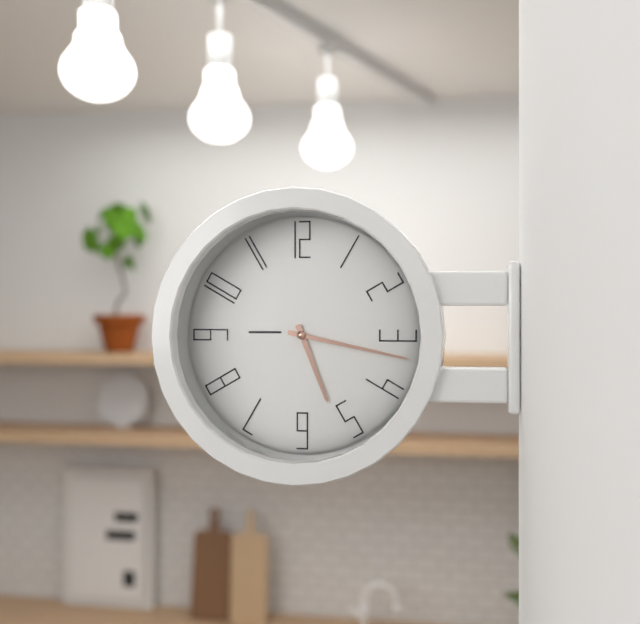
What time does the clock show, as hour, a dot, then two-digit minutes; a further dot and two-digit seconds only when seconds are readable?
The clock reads 5.17
